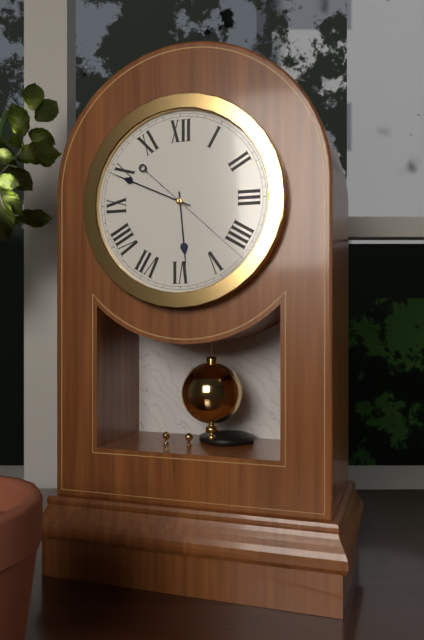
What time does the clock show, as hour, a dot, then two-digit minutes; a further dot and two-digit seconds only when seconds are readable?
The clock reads 5.49.22
